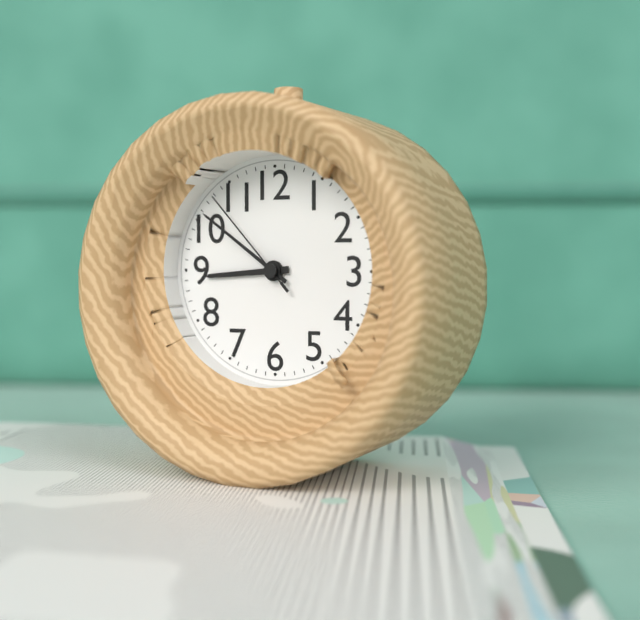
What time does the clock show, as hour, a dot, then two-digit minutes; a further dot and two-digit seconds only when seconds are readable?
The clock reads 8.51.53
